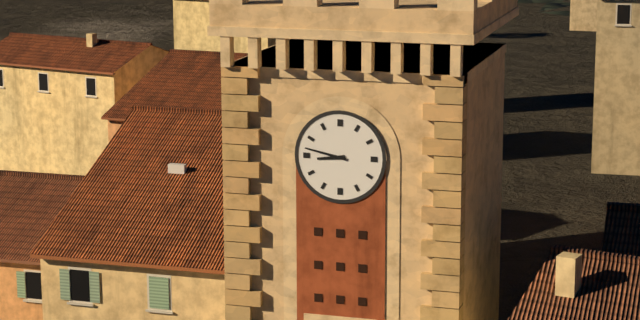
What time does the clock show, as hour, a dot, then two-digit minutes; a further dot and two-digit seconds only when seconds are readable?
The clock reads 8.47
